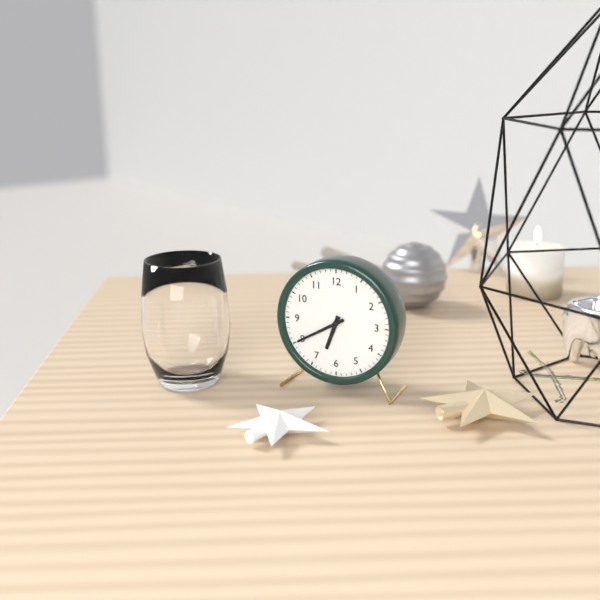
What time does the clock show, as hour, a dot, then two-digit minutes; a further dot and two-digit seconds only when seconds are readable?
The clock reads 6.40
